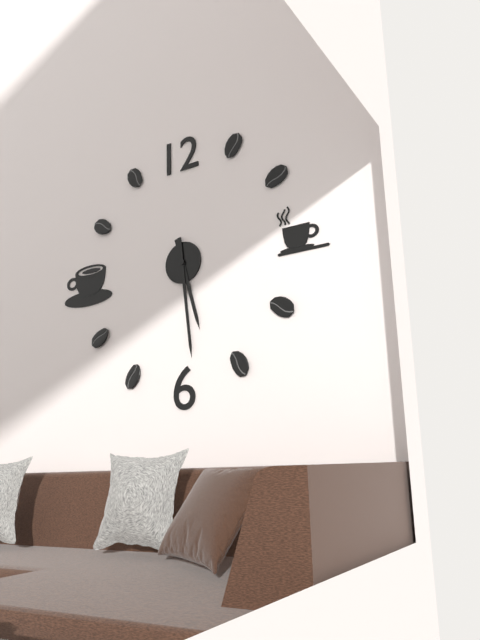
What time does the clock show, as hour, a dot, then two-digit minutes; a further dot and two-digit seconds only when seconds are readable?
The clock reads 5.29
